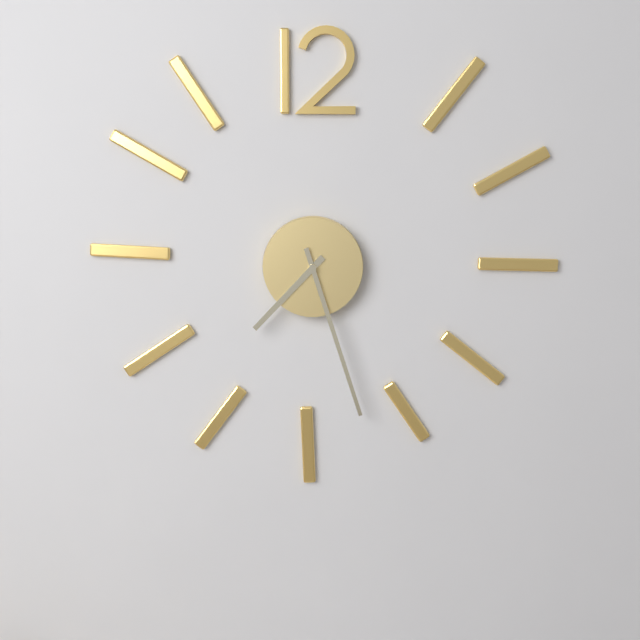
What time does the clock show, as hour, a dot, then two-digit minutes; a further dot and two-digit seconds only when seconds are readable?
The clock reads 7.27
